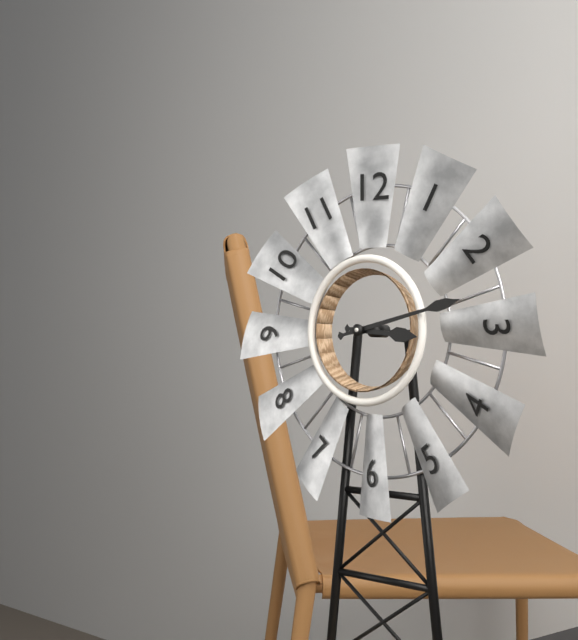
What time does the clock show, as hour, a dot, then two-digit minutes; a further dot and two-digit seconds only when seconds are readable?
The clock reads 3.13
